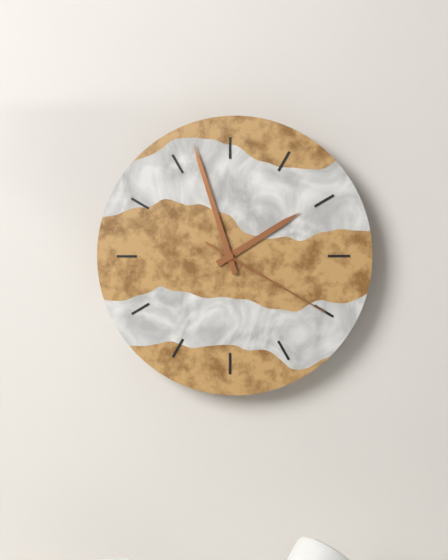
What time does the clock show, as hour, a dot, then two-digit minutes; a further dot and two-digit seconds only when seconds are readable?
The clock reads 1.57.20
